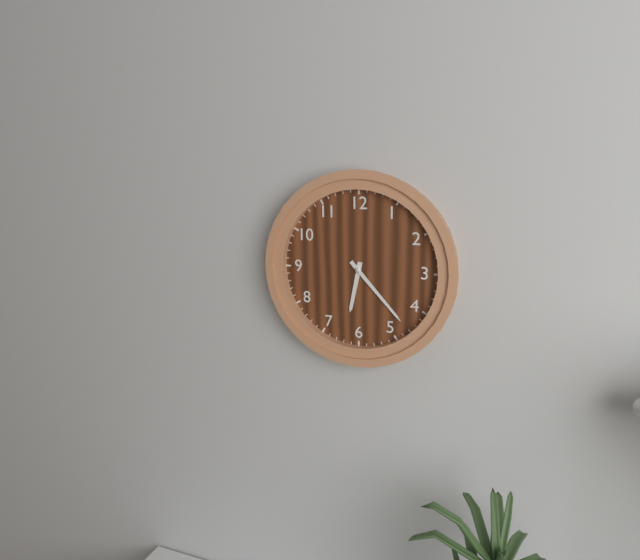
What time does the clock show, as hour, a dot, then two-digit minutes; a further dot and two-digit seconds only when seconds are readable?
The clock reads 6.23
